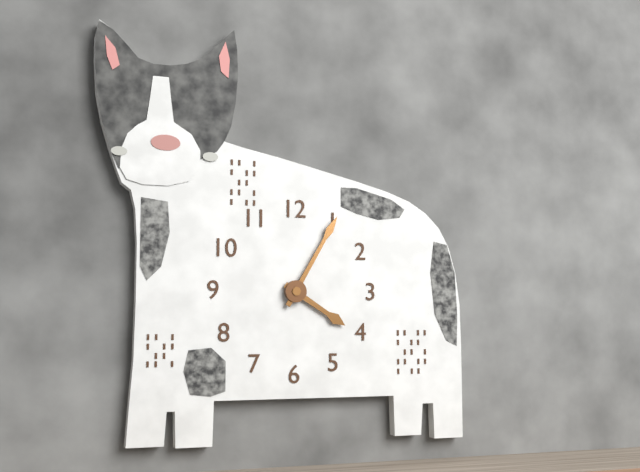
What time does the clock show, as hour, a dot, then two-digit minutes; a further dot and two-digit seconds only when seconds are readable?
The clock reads 4.05
